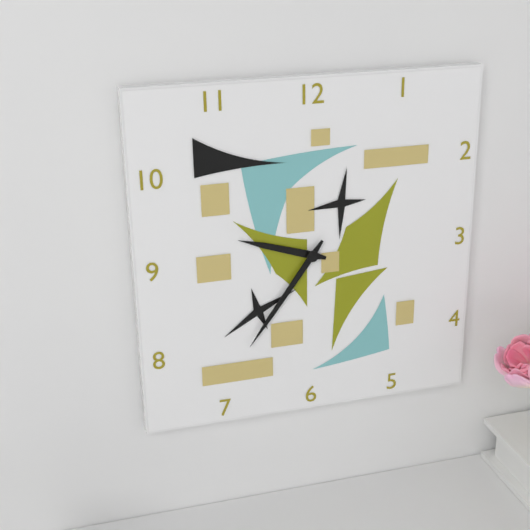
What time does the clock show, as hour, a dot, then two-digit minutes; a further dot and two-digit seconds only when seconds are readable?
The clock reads 9.36
